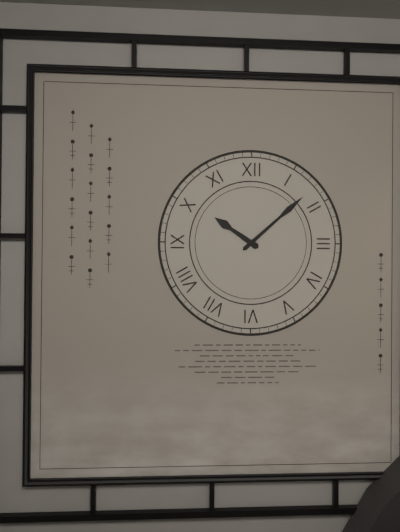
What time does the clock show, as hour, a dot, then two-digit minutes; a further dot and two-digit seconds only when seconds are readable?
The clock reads 10.08
